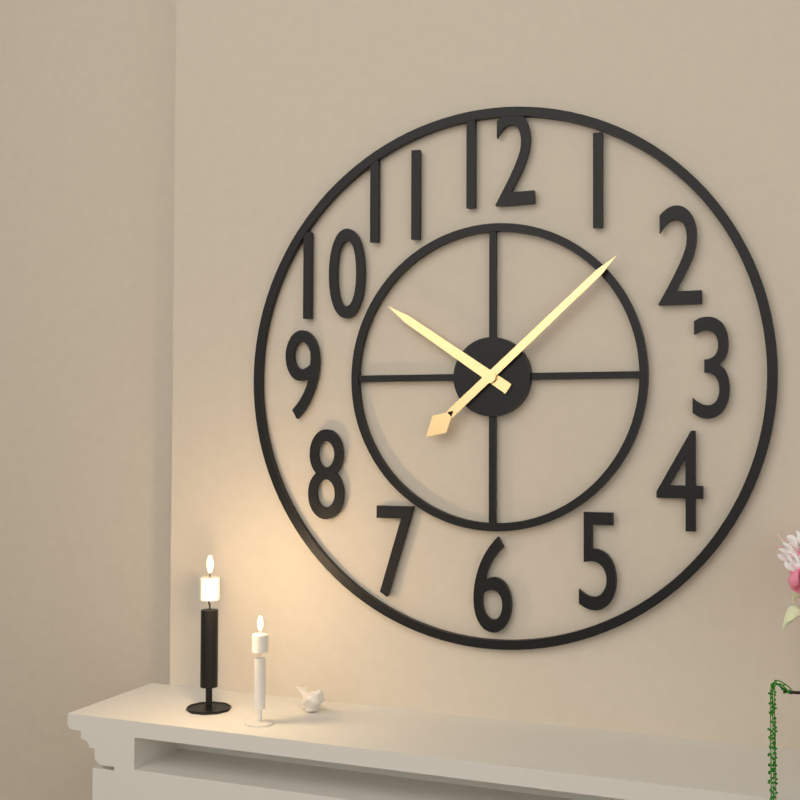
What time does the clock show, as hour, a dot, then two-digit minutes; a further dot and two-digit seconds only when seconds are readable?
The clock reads 10.08
